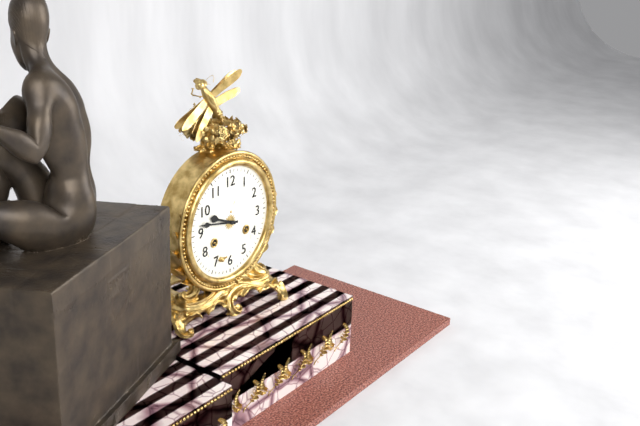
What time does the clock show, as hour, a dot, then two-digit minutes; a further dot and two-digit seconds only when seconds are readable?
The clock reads 9.47
